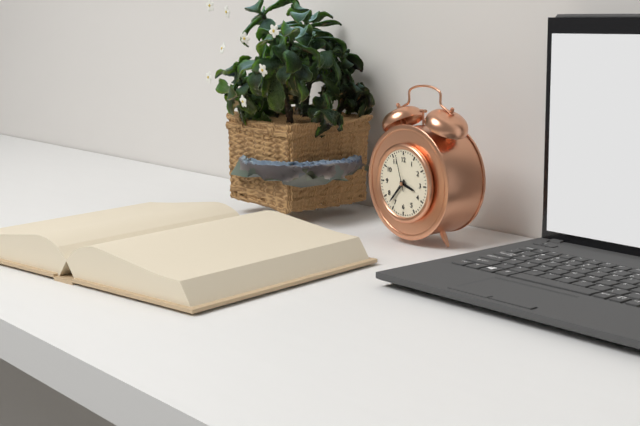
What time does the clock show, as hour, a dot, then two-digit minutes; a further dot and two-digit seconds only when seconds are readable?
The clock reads 3.37
